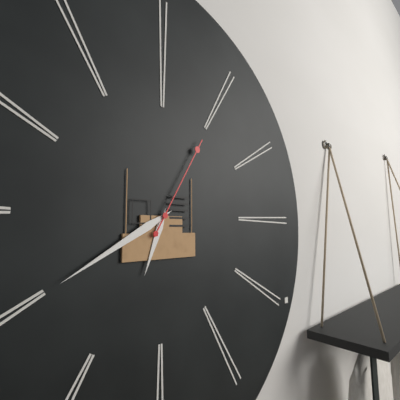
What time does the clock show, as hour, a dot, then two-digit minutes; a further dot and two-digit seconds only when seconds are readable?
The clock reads 6.40.05
